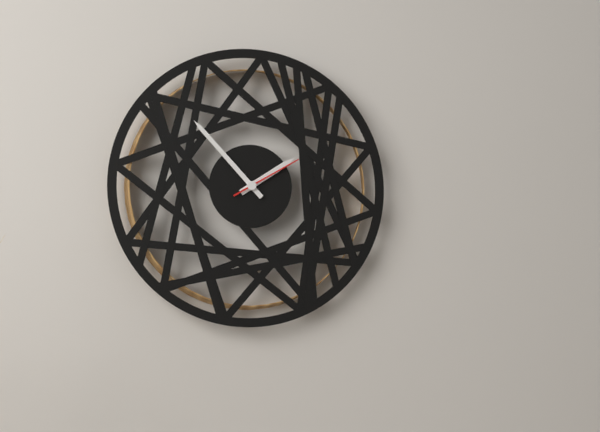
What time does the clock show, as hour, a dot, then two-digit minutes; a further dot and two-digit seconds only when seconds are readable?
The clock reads 1.53.10
